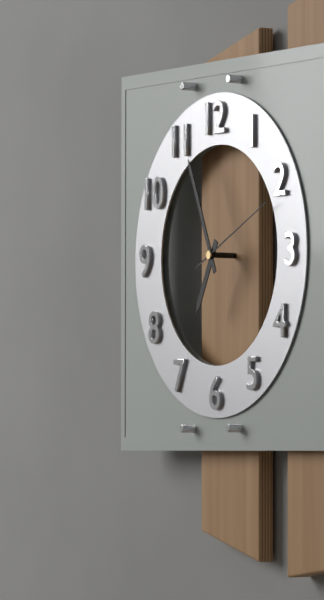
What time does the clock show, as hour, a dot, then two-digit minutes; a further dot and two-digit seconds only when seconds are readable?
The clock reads 6.56.11
